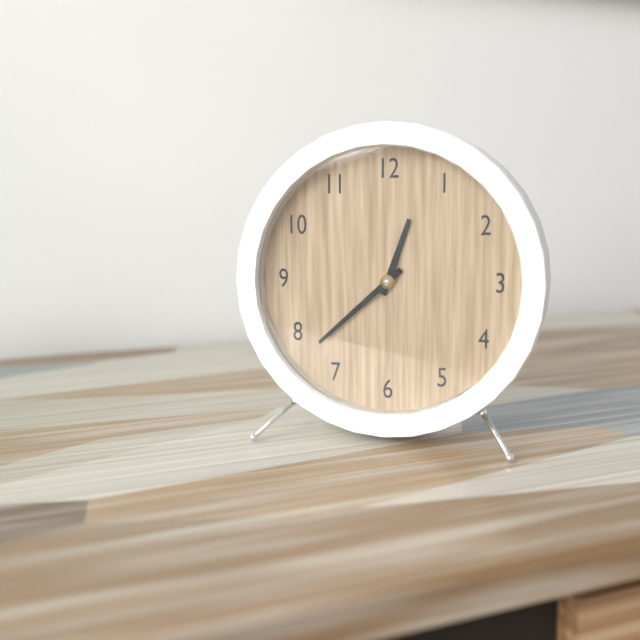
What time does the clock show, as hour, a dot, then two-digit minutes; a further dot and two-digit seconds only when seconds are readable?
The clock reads 12.38
